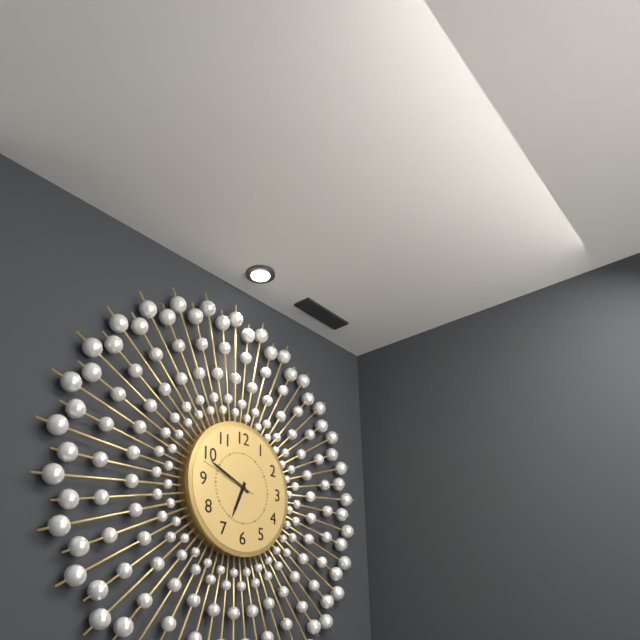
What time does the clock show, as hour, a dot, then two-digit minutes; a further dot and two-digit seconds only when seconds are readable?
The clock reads 6.49.48
